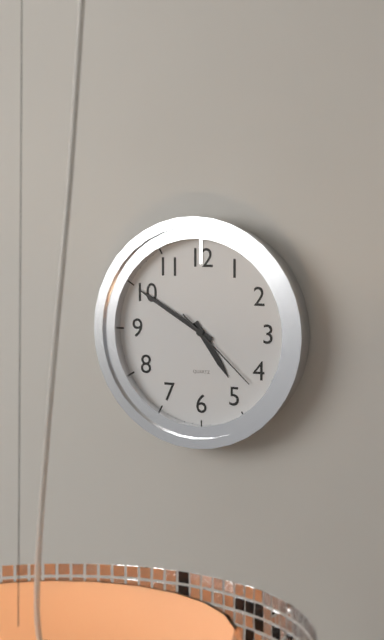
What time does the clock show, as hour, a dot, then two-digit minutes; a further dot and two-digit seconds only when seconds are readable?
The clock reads 4.50.22
